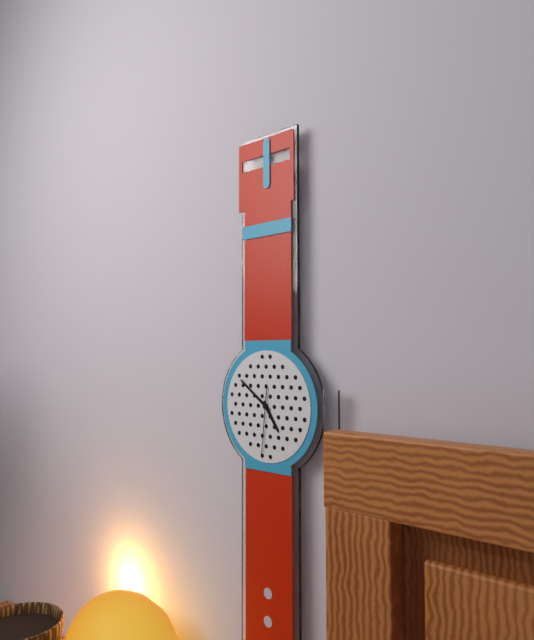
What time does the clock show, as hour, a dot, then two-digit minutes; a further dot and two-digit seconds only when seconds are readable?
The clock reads 4.51.31
